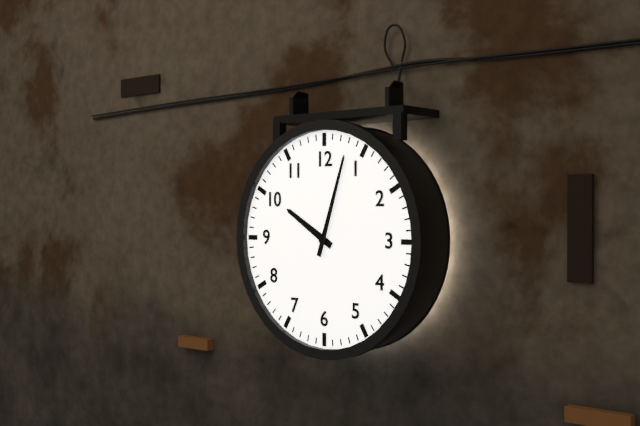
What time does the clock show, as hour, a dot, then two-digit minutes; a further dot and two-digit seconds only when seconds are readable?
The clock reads 10.03
